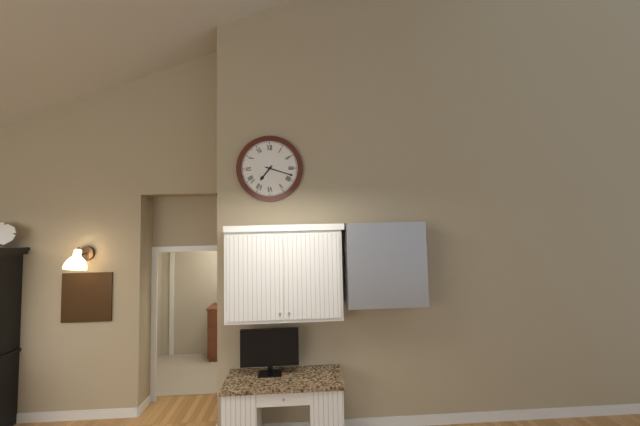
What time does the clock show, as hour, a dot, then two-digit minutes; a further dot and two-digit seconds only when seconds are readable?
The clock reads 7.18
